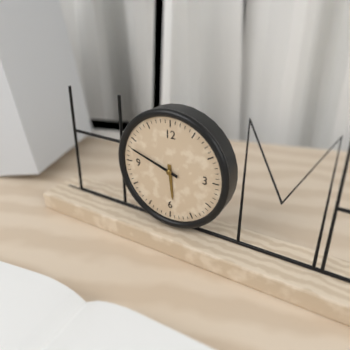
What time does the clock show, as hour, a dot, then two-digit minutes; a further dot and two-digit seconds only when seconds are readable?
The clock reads 5.48
